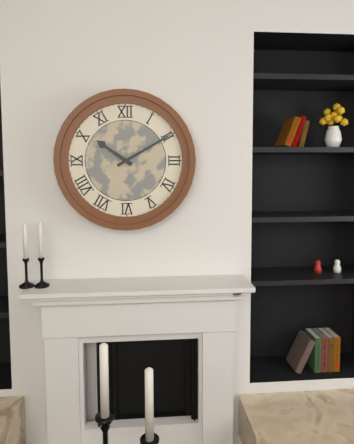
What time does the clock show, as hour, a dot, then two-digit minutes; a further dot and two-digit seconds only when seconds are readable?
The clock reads 10.10
